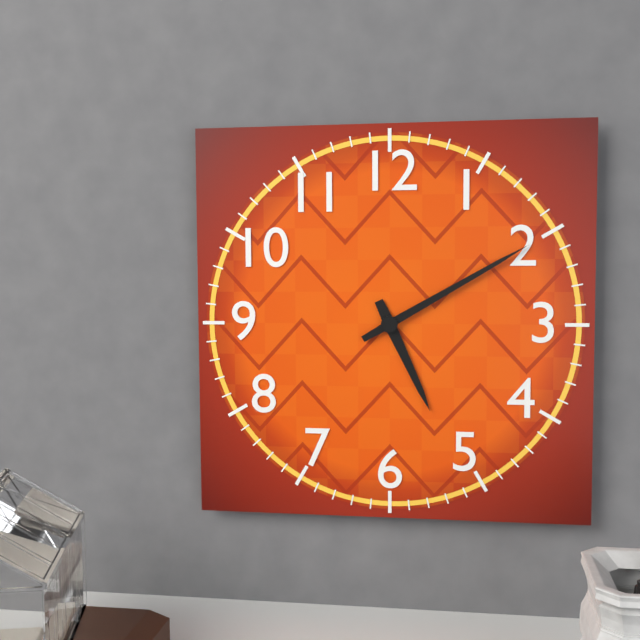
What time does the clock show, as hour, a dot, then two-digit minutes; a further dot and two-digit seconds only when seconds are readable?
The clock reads 5.10
